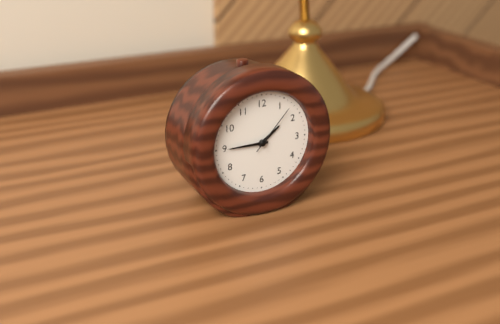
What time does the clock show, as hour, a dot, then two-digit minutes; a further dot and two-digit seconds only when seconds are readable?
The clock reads 1.45.07
